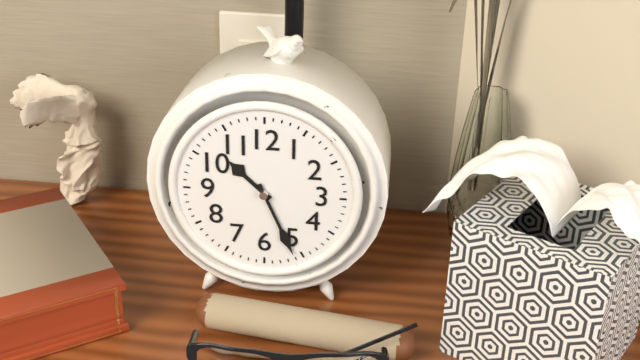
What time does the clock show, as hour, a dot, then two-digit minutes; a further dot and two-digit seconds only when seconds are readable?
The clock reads 10.26
